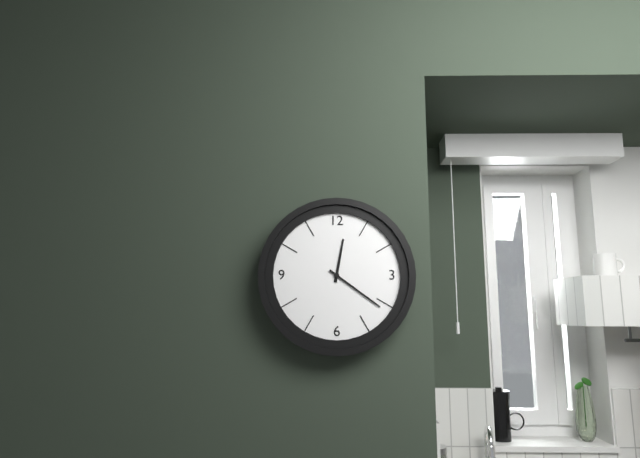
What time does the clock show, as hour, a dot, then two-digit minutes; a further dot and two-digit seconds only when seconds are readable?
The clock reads 12.21
